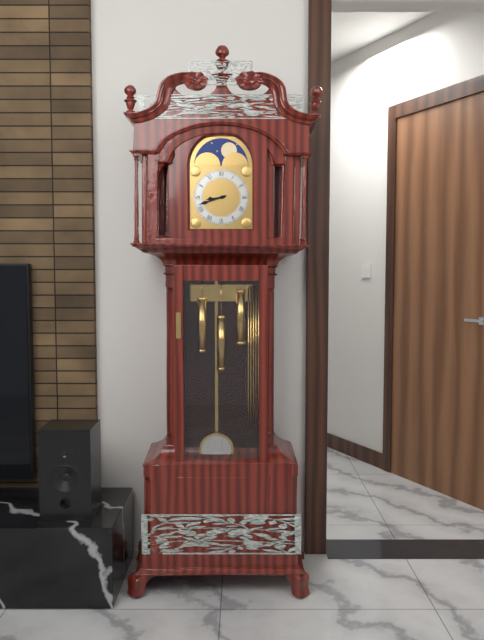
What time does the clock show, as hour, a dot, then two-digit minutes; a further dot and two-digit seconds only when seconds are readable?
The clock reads 8.42
